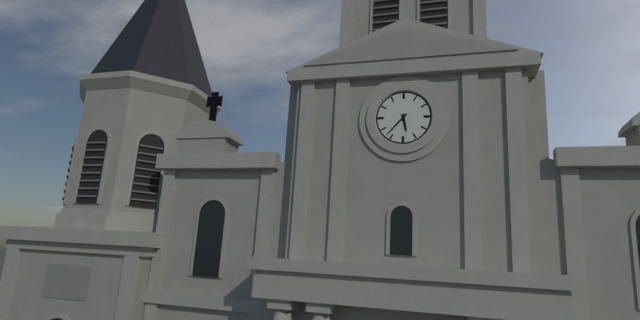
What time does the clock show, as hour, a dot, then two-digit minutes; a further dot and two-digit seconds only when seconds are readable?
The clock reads 5.37
